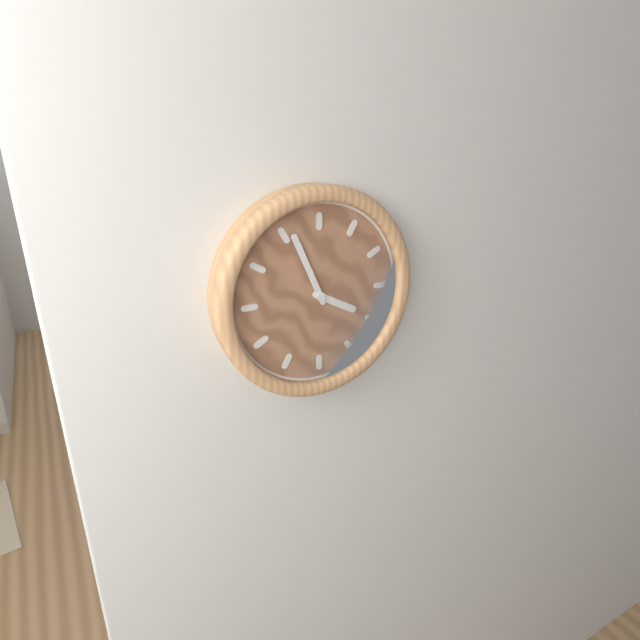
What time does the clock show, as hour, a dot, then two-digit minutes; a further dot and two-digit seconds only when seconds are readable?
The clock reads 3.56
